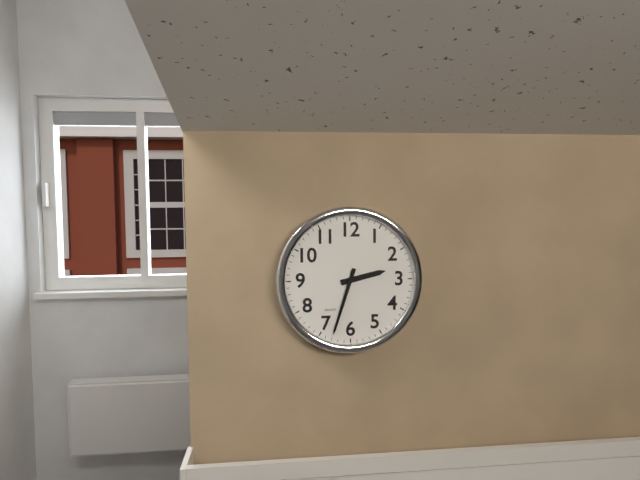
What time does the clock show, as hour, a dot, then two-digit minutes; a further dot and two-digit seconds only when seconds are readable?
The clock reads 2.33
